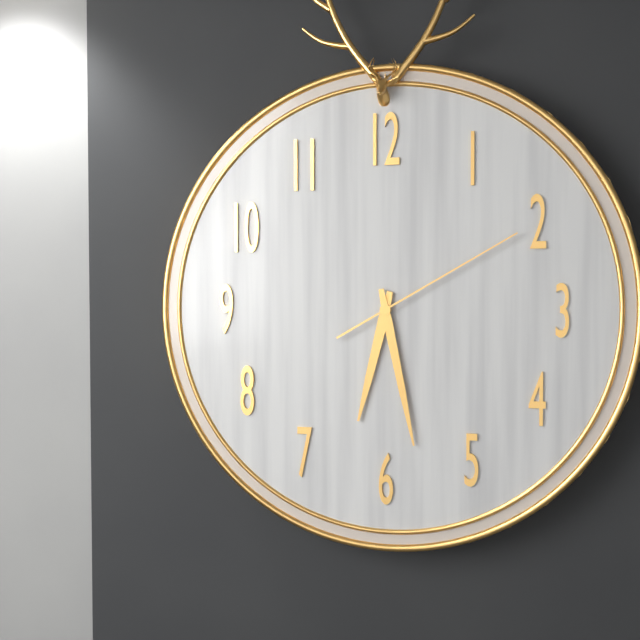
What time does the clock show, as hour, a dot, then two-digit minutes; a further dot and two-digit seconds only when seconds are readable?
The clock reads 6.28.10
